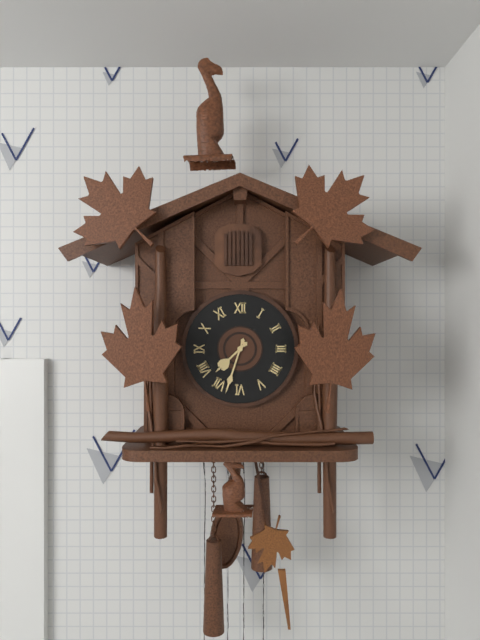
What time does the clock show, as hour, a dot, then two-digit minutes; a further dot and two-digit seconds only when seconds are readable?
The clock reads 7.33
